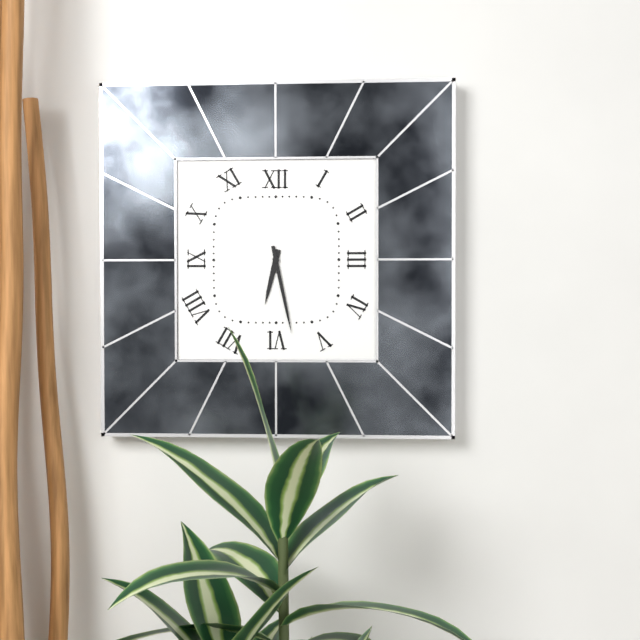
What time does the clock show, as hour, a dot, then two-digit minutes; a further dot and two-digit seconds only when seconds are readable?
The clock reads 6.28
